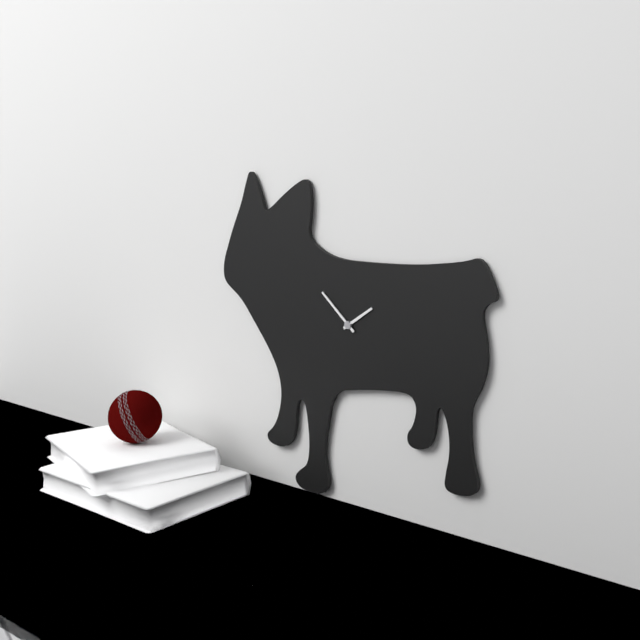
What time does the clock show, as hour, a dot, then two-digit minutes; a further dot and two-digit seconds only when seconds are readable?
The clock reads 1.52
